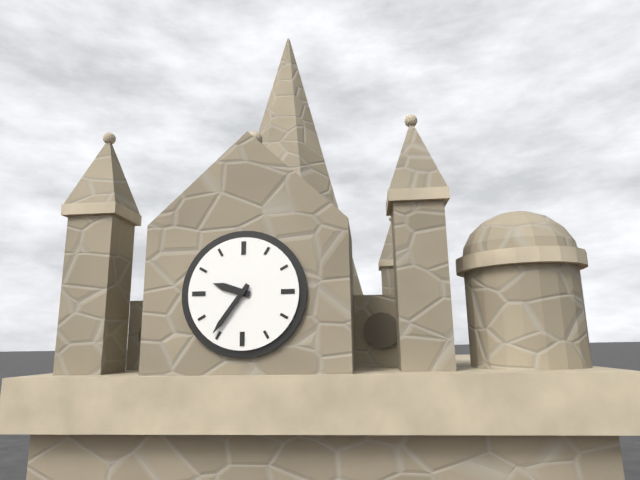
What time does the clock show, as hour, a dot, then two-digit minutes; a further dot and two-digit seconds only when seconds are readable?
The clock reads 9.36
